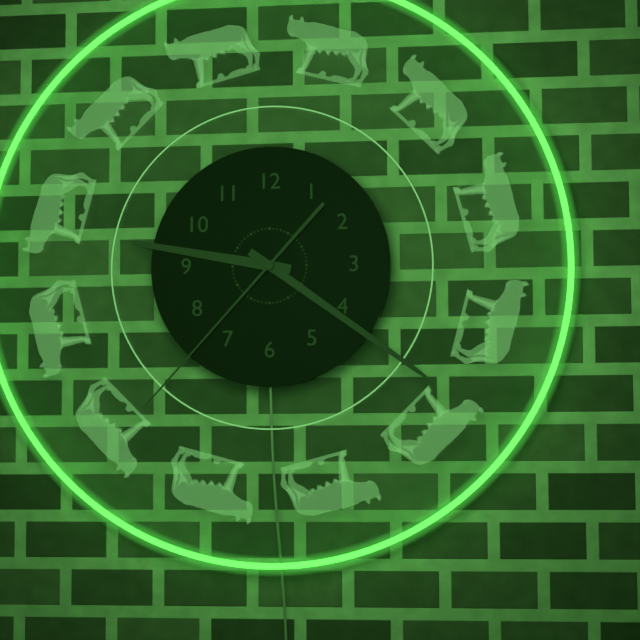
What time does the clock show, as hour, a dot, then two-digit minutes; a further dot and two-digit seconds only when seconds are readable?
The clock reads 9.21.37
